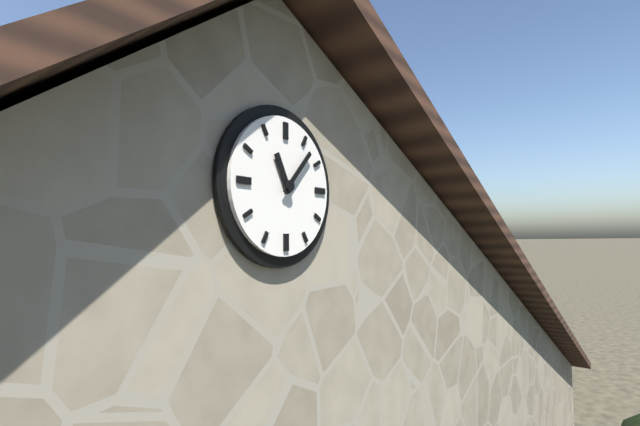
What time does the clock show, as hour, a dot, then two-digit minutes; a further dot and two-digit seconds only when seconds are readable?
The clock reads 11.07
